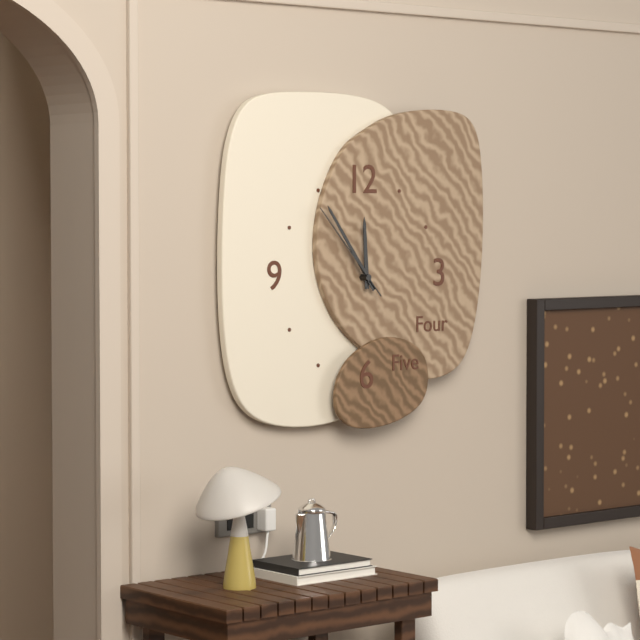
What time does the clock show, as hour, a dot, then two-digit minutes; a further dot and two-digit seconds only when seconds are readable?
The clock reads 11.54.53
